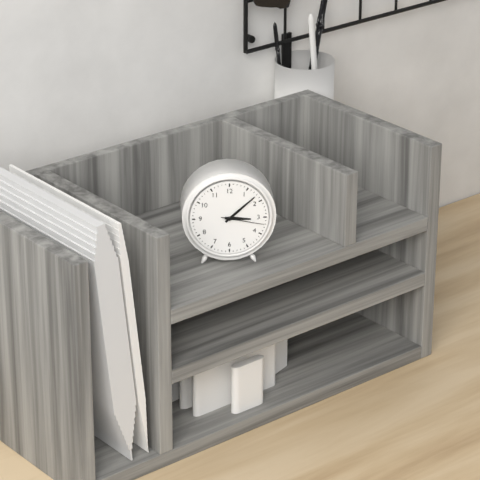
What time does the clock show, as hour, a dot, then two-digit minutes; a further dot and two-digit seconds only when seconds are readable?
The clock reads 3.08
